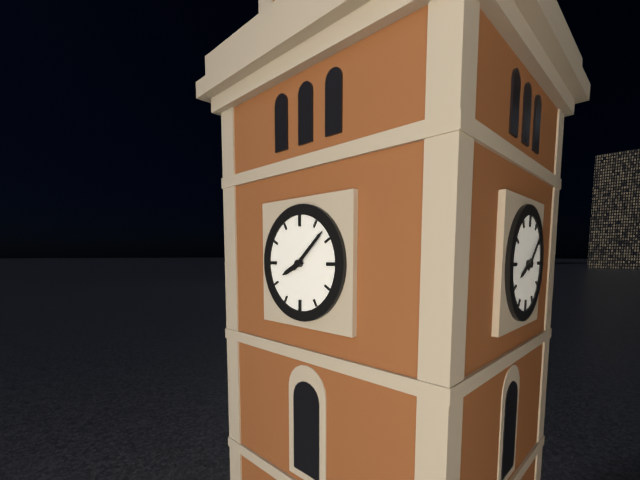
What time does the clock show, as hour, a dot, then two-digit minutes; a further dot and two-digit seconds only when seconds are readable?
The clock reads 8.08
